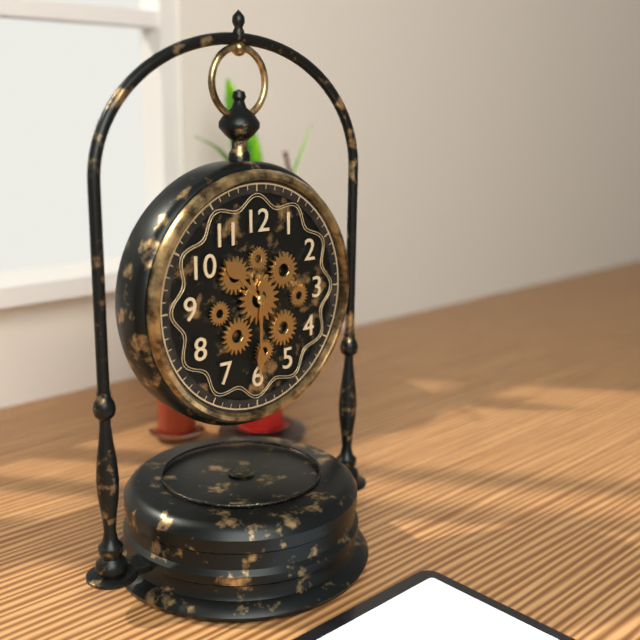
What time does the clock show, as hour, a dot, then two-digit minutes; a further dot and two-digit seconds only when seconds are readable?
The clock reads 10.30
